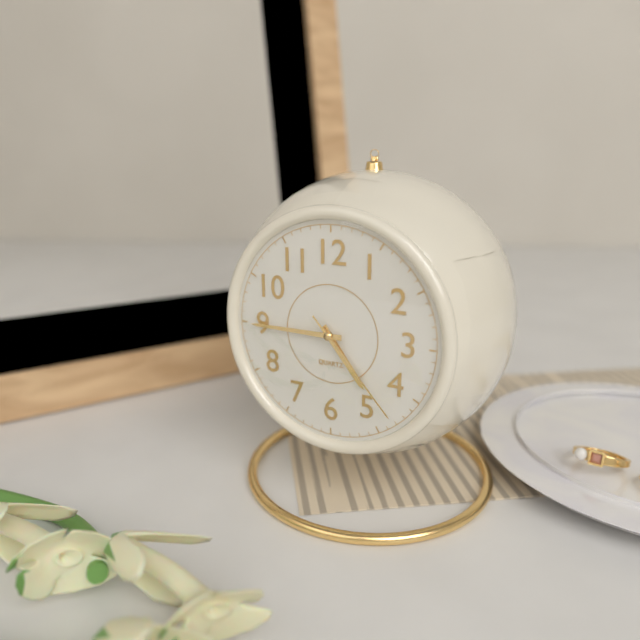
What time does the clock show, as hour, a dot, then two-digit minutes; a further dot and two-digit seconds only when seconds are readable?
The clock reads 4.45.23
